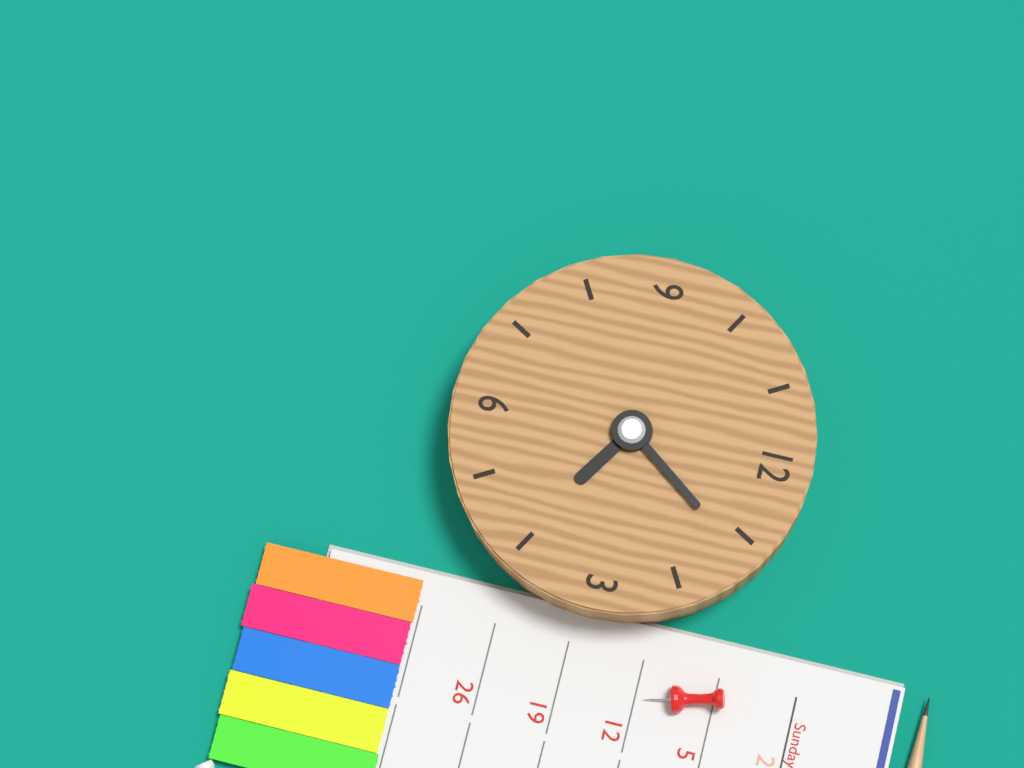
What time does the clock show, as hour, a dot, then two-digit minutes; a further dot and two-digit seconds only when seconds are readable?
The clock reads 4.06
